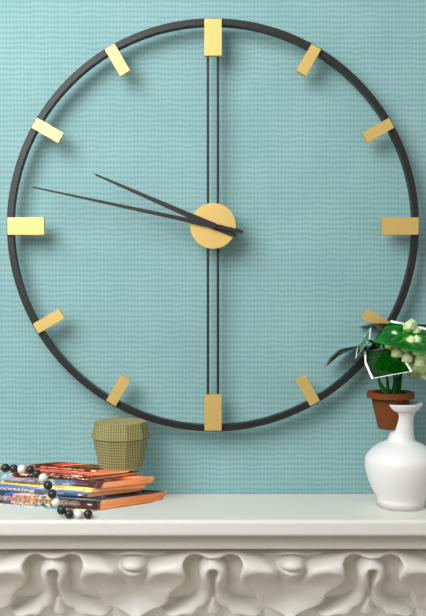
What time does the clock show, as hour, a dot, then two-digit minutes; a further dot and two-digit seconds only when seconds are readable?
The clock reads 9.47
